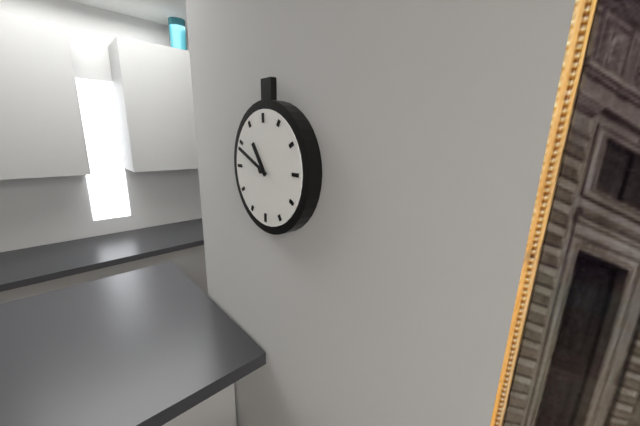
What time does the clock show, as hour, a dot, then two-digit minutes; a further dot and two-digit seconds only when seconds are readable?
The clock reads 10.49
